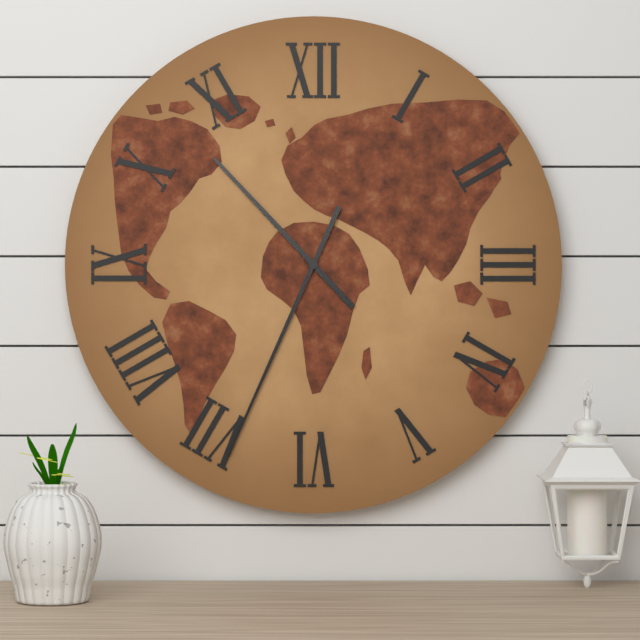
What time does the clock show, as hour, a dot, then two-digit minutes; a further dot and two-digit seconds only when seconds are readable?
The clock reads 10.34
